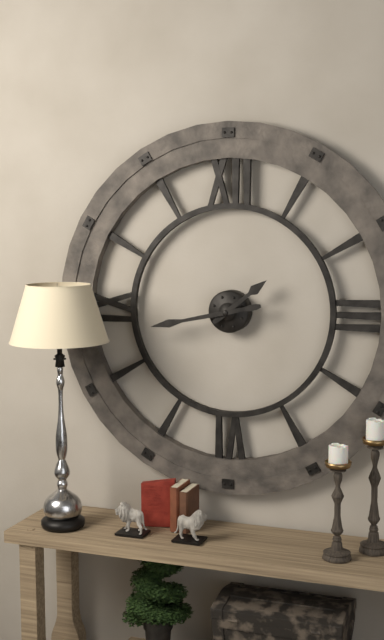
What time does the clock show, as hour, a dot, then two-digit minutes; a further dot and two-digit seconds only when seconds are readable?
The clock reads 1.43
